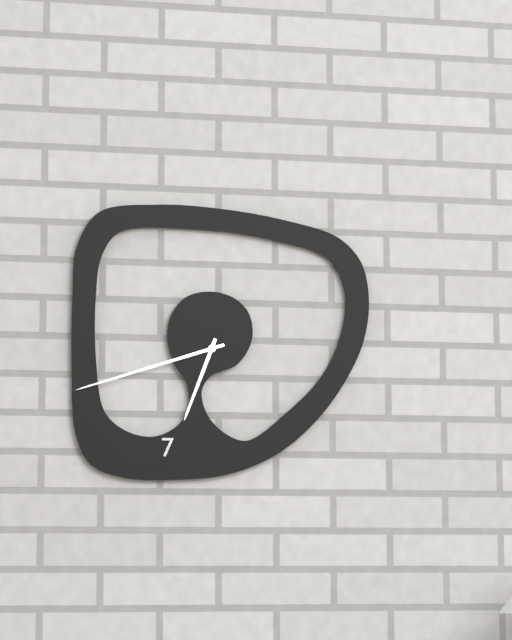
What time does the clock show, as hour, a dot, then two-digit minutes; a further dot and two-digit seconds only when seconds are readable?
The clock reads 6.42
